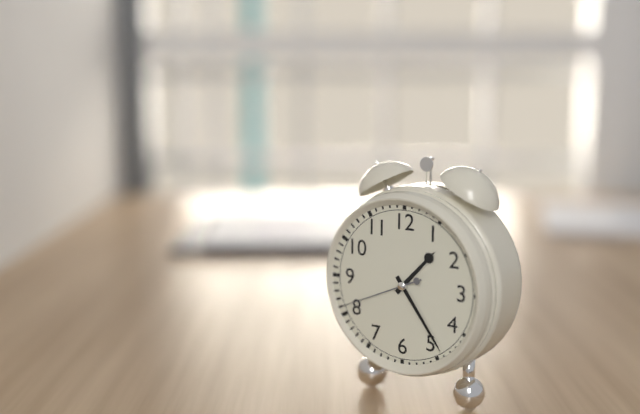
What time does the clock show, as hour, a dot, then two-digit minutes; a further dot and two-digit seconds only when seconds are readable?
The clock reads 1.24.41
